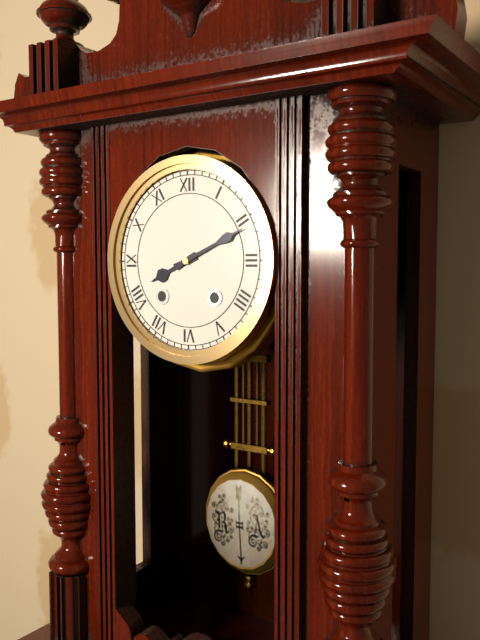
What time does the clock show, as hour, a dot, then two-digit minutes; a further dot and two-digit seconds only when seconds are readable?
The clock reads 8.11
